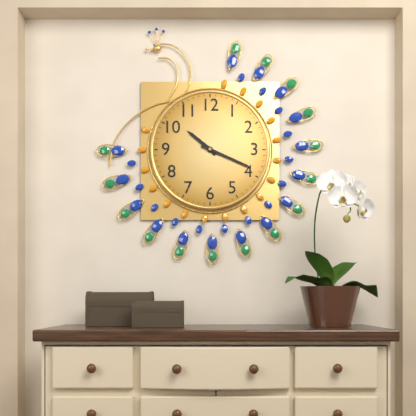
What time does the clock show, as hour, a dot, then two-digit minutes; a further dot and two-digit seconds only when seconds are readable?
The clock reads 10.19
